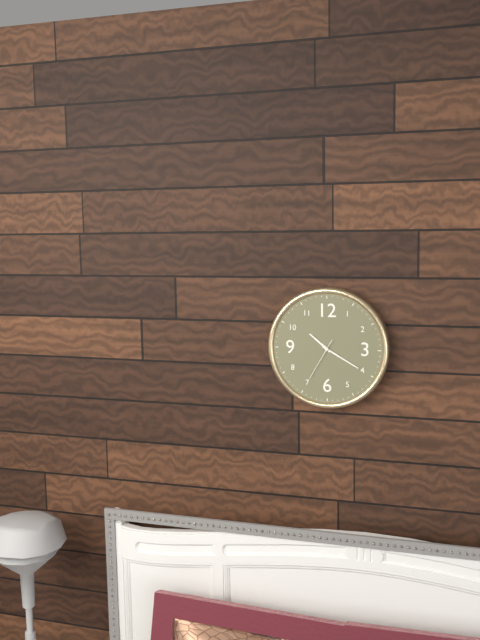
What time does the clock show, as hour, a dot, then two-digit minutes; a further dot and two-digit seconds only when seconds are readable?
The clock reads 10.20
